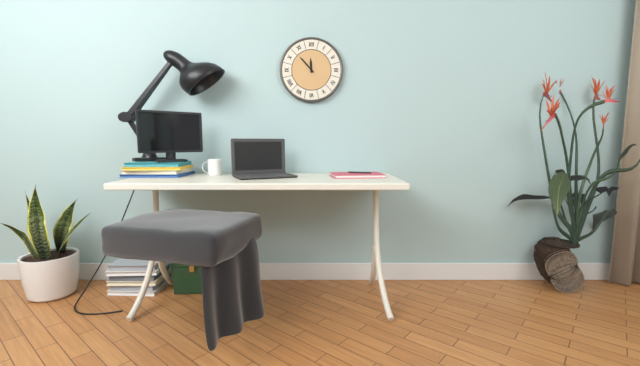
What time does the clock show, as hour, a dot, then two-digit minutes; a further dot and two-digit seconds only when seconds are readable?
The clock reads 11.53
